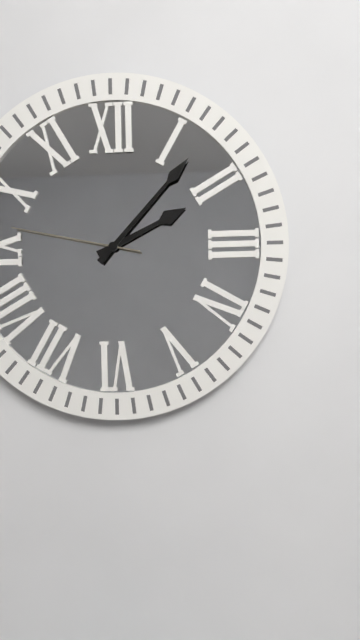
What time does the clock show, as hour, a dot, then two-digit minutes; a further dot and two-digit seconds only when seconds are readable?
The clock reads 2.07.47
